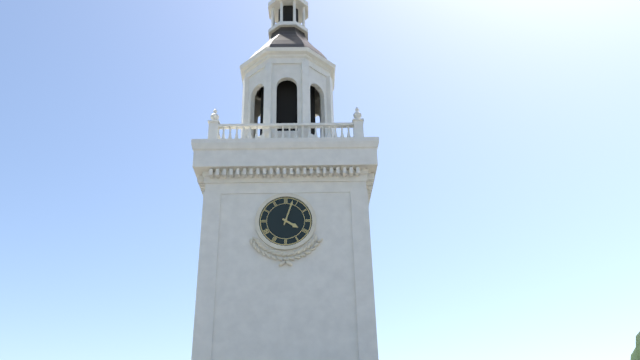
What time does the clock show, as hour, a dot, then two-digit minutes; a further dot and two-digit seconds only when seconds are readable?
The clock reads 4.03
